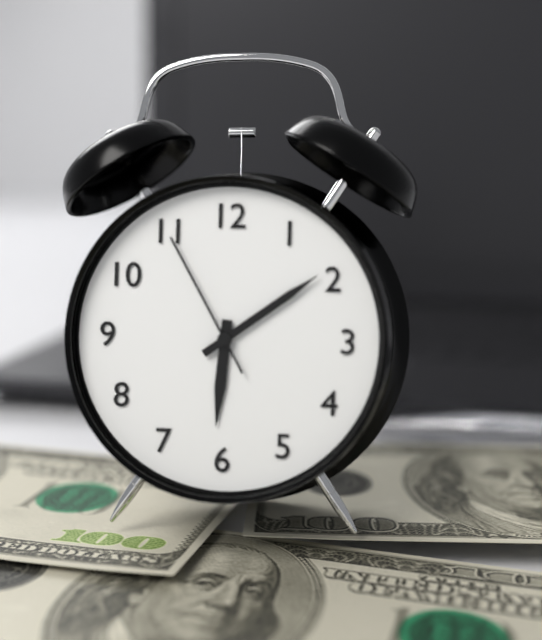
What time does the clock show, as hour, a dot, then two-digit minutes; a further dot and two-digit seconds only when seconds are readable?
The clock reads 6.09.55
